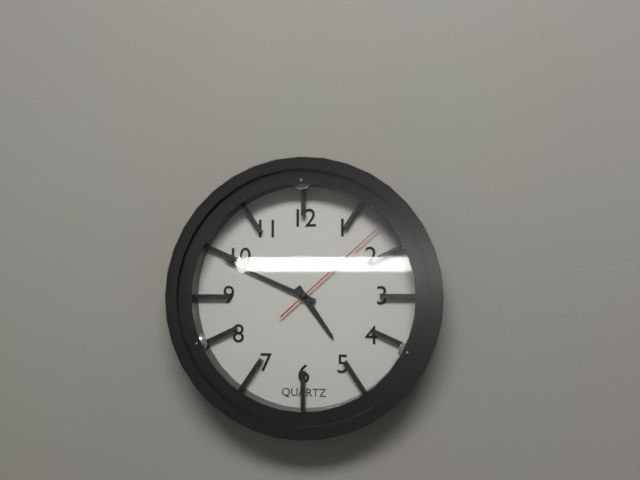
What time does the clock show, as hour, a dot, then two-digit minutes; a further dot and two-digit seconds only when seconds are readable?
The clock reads 4.49.08
